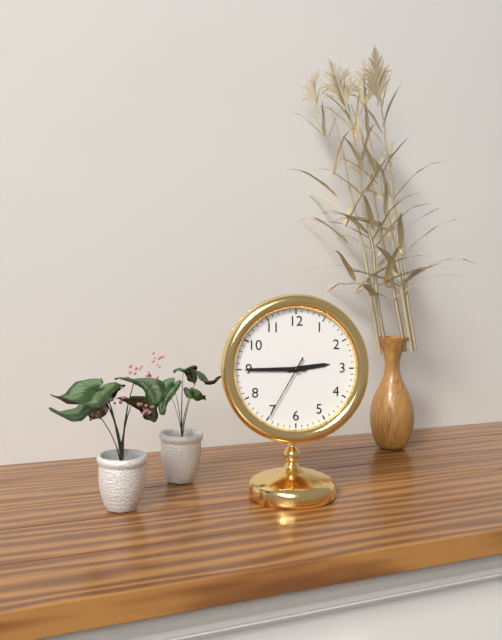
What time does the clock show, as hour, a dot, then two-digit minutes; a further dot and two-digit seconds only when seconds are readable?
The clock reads 2.45.35
